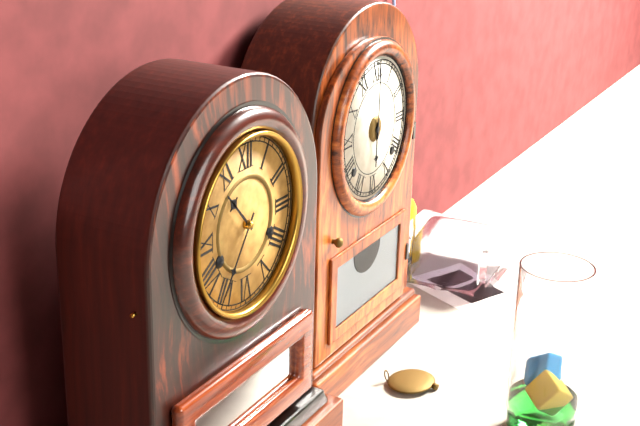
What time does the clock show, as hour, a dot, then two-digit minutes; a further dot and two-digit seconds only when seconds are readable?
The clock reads 10.36
